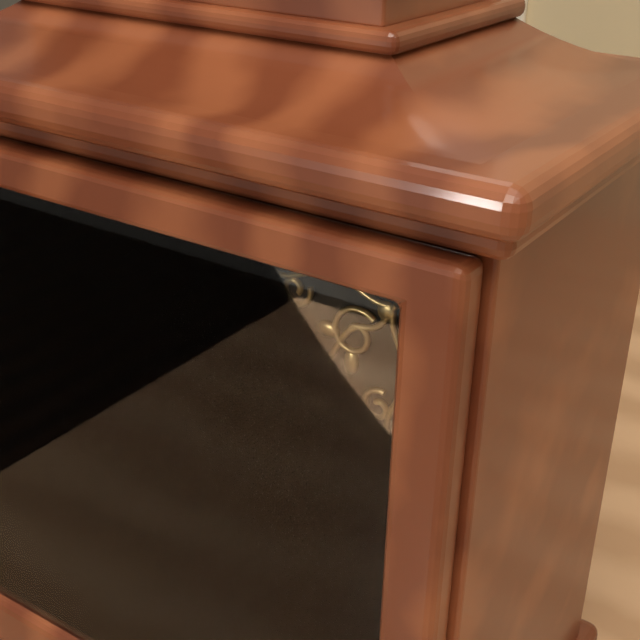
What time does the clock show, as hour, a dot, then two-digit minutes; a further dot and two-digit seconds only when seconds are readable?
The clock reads 4.22
